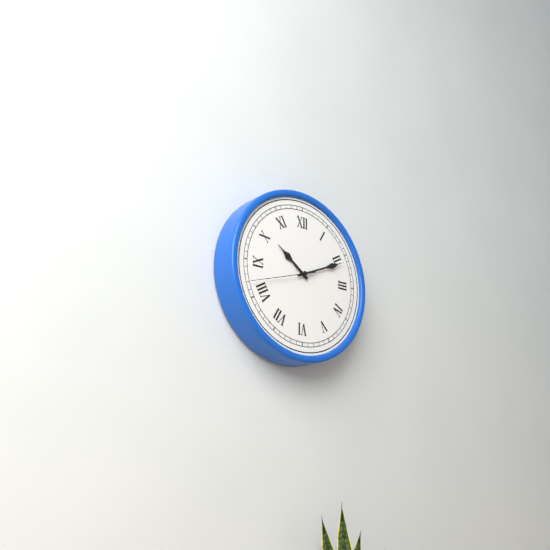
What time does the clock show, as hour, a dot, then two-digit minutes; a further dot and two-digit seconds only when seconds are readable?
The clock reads 10.11.42
